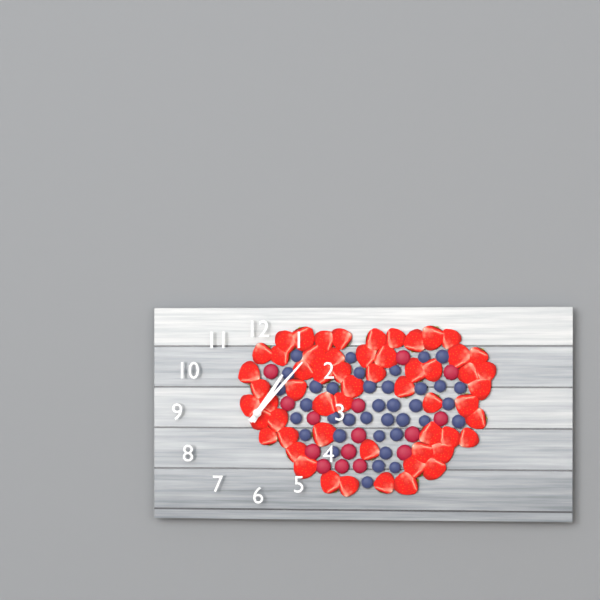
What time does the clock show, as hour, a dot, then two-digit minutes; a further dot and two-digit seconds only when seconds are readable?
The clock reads 1.07
